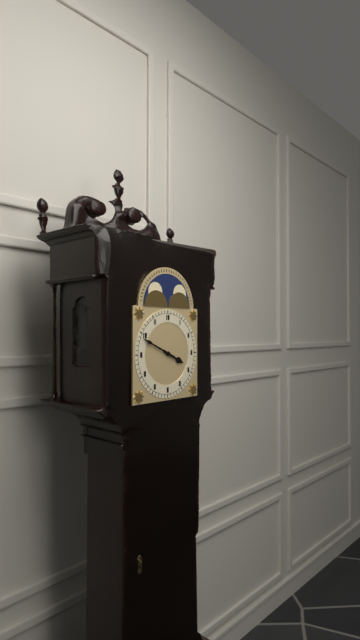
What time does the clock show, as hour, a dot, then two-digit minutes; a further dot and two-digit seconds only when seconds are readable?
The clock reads 3.49
